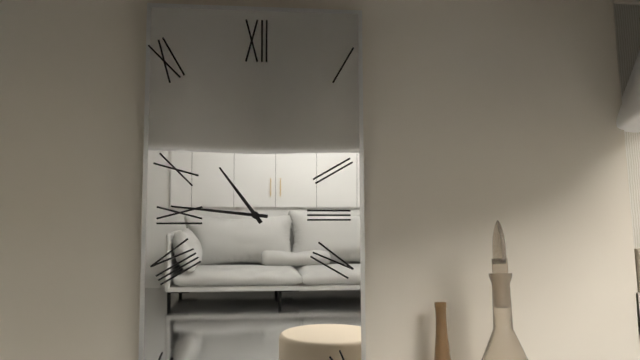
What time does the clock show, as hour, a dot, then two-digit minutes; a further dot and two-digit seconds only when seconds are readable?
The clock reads 10.46
